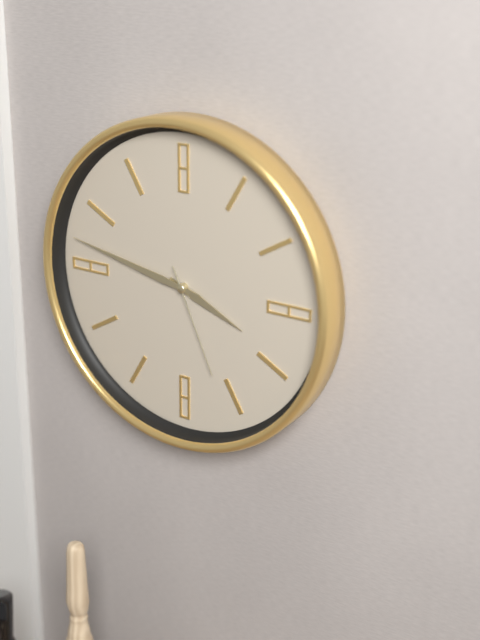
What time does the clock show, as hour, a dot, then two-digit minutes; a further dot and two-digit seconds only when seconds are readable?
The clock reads 3.47.26
